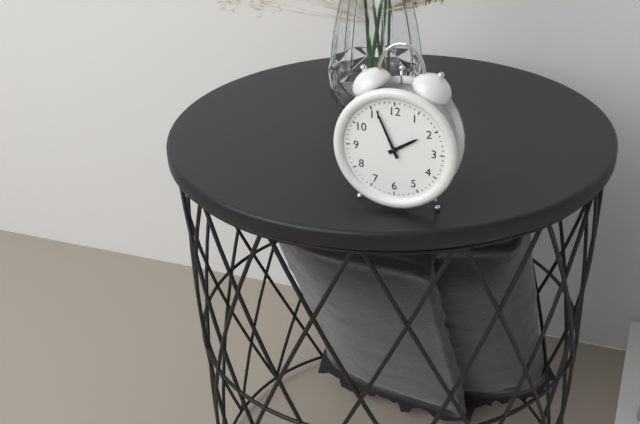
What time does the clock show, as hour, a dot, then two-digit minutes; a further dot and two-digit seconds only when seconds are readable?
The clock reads 1.56
